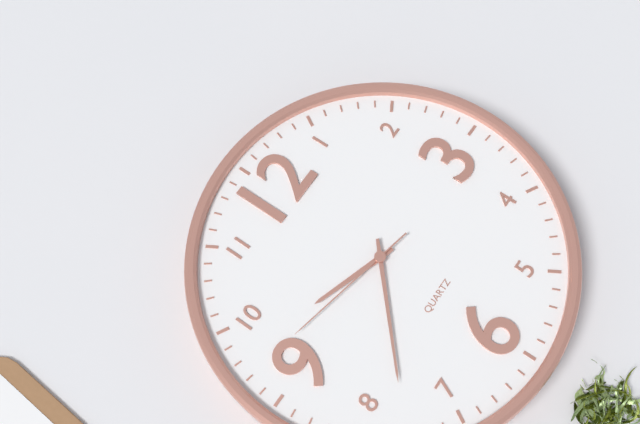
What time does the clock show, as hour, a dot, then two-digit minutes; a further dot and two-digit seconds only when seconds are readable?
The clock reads 9.38.47
